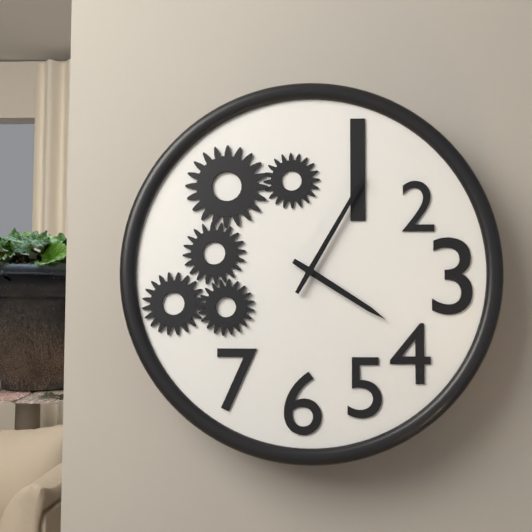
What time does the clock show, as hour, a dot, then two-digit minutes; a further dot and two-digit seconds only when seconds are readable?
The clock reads 4.05
